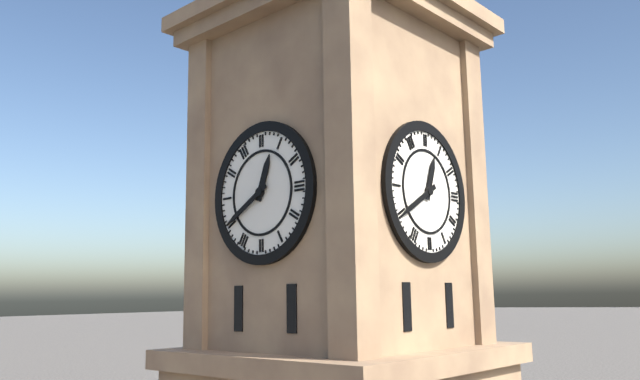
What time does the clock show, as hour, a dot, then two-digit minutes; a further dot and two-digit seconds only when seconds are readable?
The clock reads 12.40
